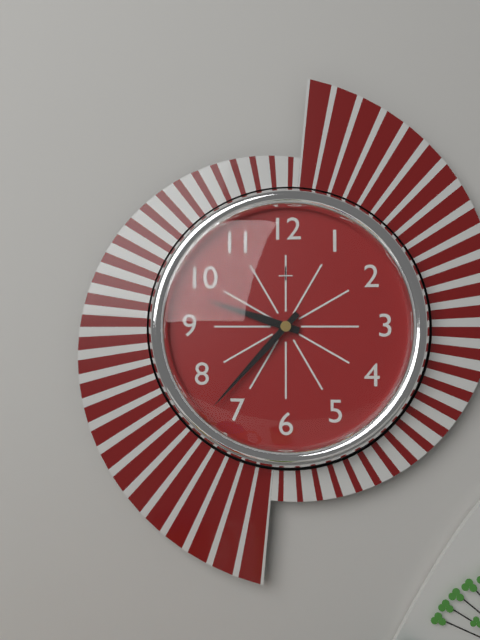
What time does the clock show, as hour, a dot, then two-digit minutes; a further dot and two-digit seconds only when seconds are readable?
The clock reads 9.37
